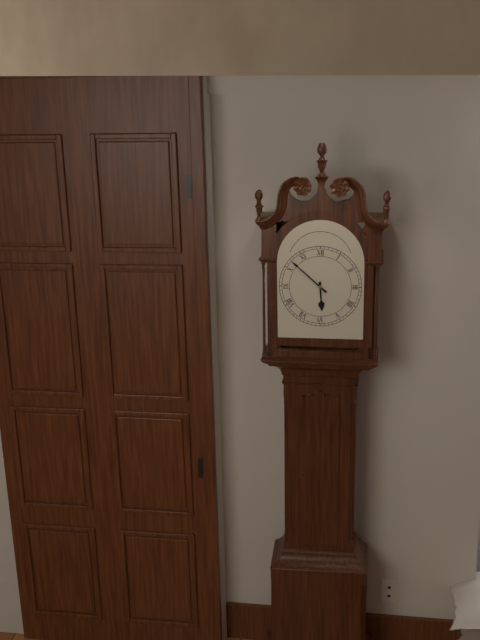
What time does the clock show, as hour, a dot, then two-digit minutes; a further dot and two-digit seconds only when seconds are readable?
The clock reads 5.52
